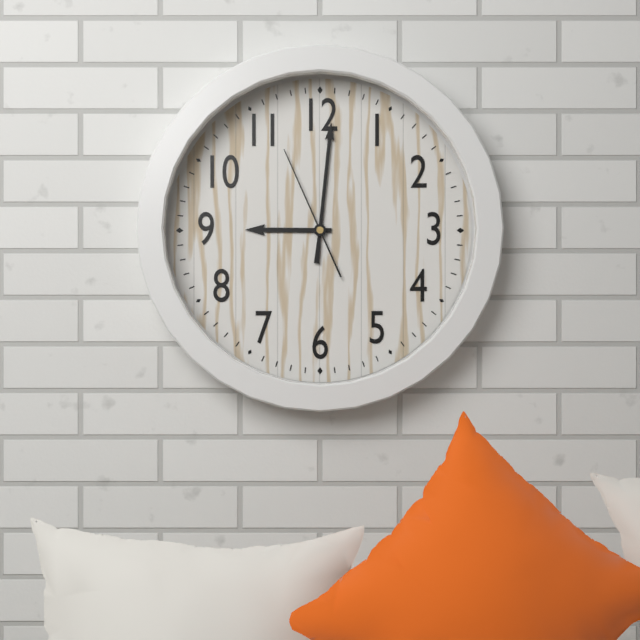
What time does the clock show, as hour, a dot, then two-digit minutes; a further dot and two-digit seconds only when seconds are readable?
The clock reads 9.01.56
